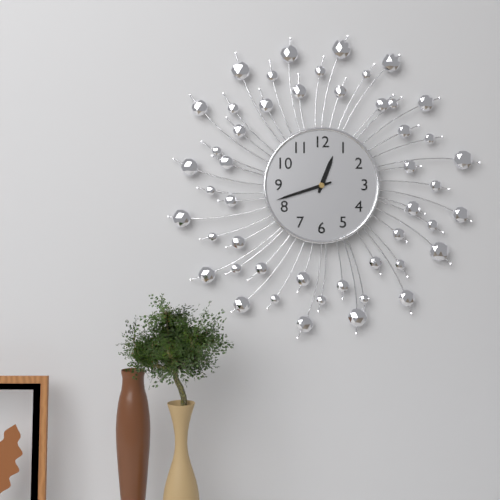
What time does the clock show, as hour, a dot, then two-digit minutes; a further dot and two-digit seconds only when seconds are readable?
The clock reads 12.42
